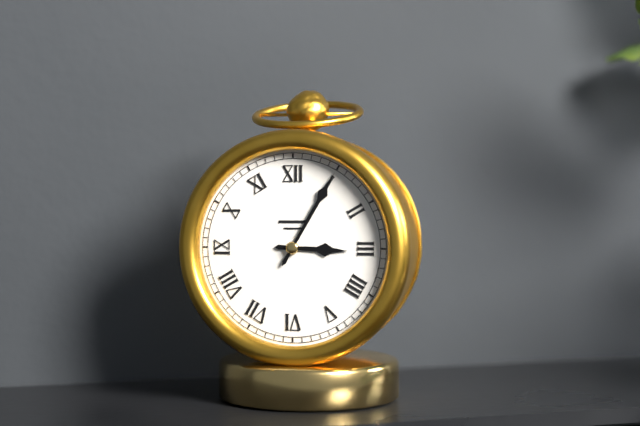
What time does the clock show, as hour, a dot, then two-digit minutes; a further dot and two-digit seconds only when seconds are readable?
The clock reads 3.05
